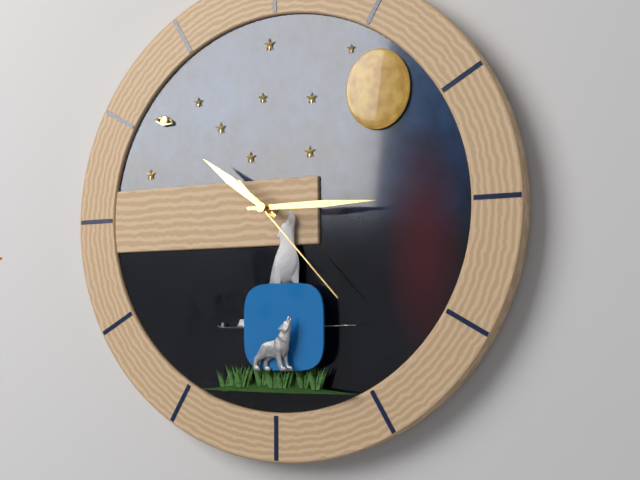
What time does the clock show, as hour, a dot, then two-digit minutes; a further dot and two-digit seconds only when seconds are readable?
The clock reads 10.15.23
